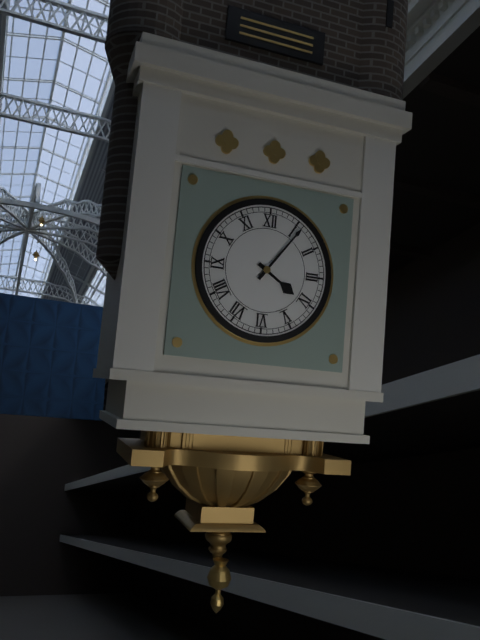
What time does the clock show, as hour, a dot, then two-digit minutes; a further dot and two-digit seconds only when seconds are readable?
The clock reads 4.06
